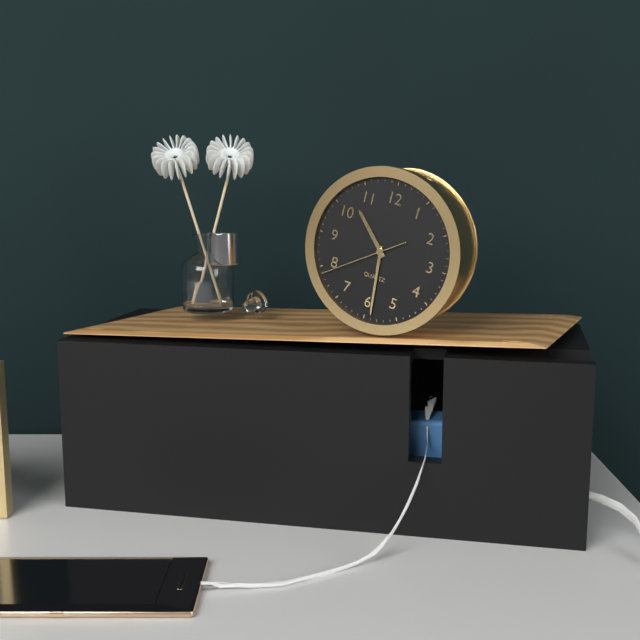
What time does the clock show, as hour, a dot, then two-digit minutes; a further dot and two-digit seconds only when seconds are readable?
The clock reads 10.29.39
